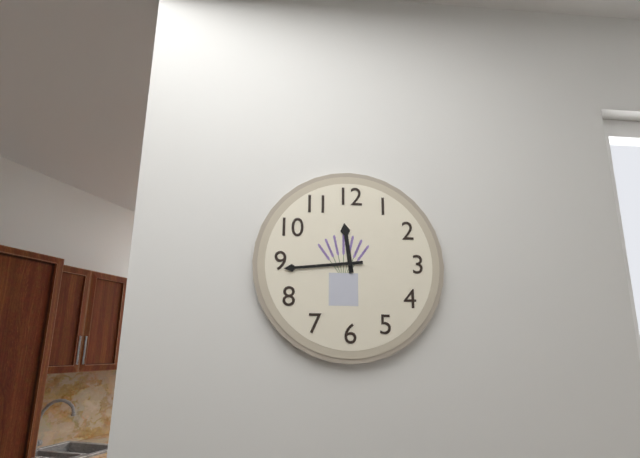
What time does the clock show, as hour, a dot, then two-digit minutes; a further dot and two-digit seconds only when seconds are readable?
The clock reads 11.44
